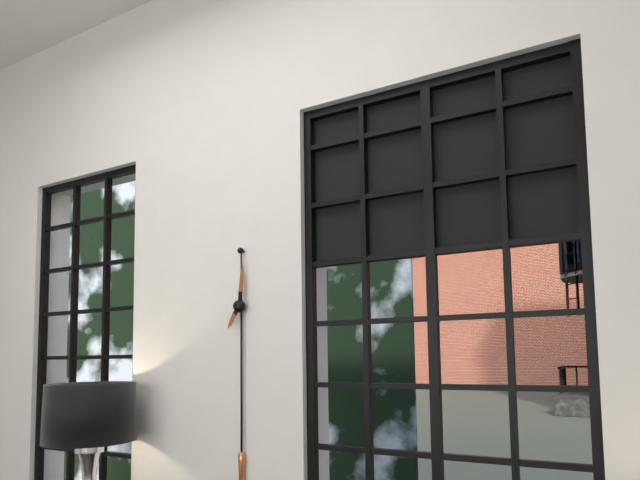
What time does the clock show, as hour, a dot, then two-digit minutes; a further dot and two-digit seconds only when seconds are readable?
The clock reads 7.01
